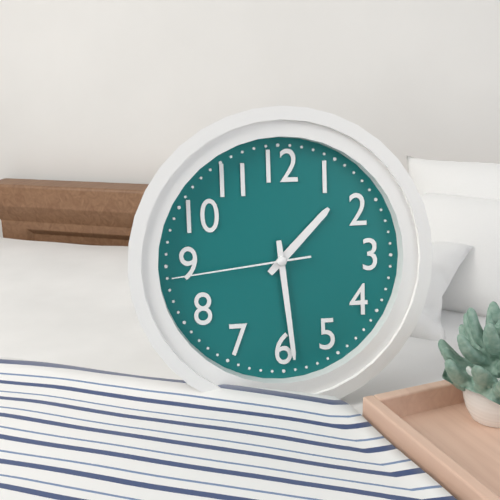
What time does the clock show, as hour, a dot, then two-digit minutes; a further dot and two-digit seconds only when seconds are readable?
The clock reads 1.29.44
